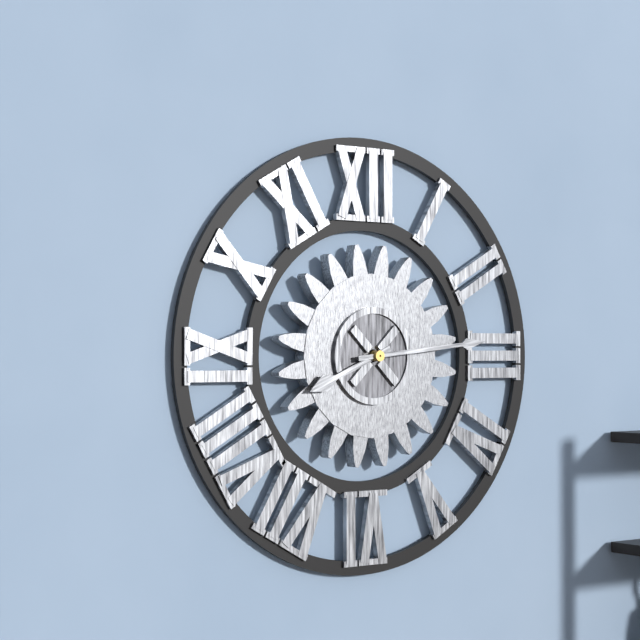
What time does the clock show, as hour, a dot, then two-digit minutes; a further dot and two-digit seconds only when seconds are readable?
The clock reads 8.14
